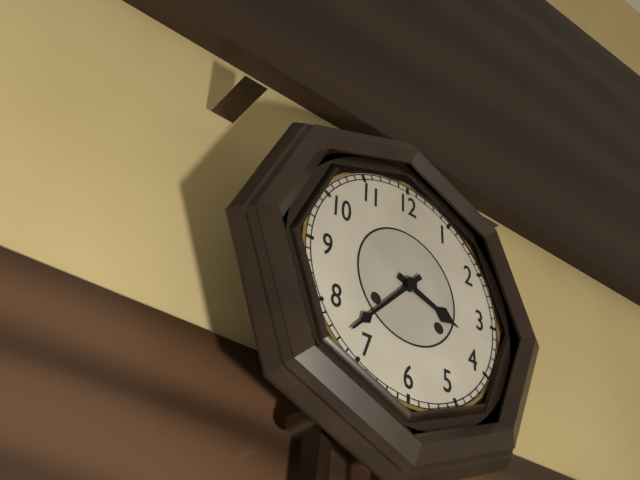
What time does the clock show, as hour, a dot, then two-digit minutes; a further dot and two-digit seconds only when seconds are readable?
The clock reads 3.37
